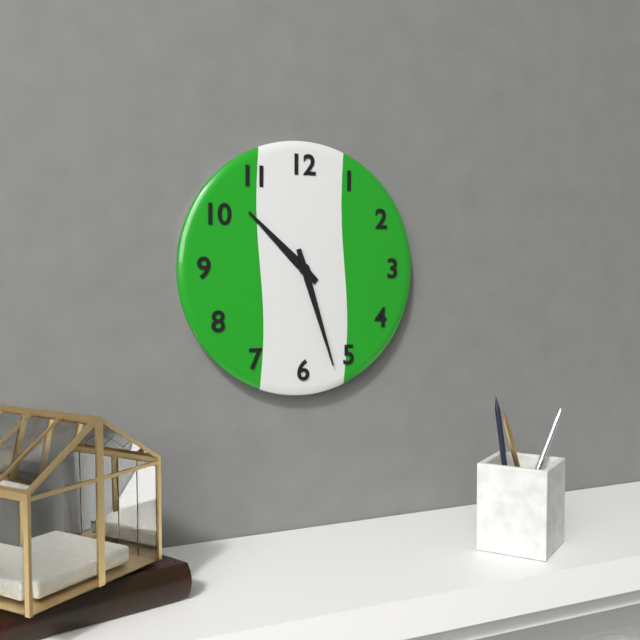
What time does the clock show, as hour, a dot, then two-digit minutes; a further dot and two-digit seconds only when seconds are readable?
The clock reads 10.27
